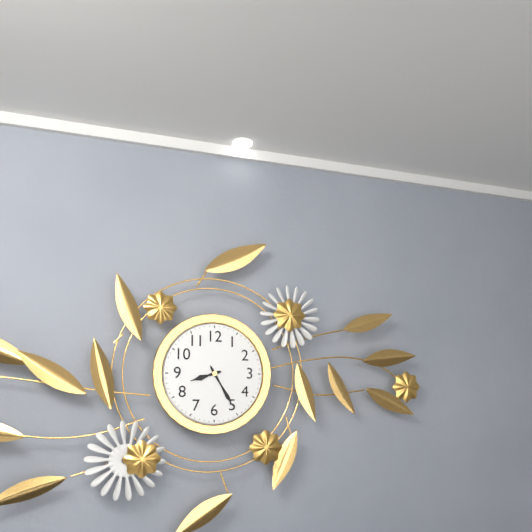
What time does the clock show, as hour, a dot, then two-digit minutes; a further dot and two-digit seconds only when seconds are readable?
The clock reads 8.25
